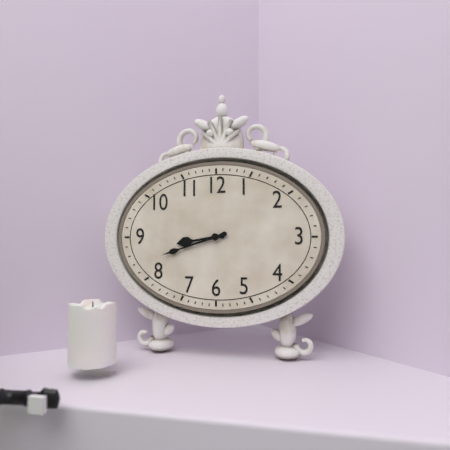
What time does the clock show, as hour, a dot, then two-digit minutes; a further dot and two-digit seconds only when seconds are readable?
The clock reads 8.42
